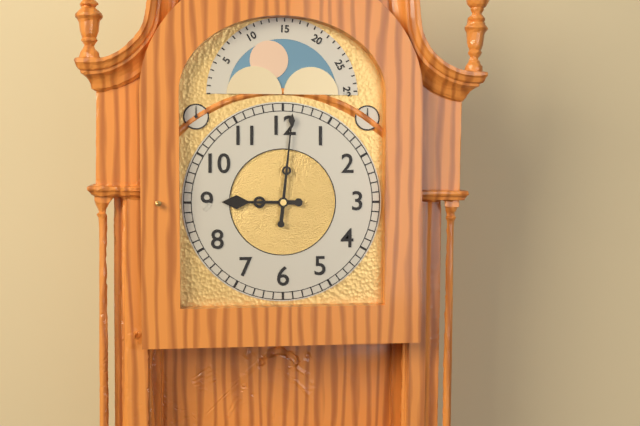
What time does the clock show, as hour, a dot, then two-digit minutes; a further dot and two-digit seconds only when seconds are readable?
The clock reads 9.01
